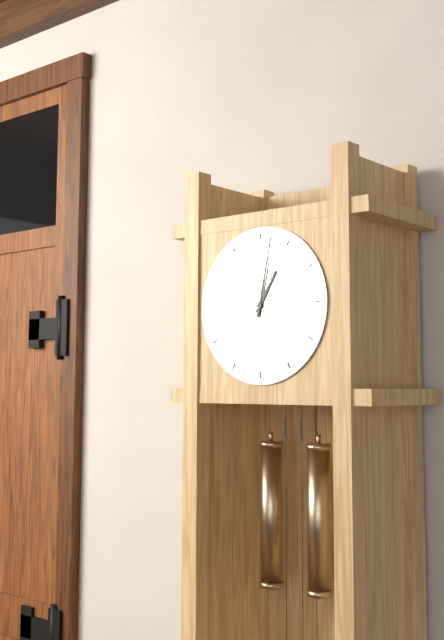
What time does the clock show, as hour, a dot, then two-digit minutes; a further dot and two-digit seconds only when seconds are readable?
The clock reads 1.02
